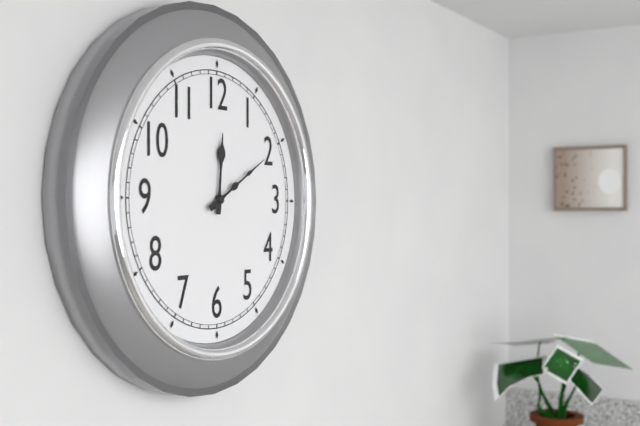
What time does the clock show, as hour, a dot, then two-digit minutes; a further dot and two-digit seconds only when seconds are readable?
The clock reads 12.10
